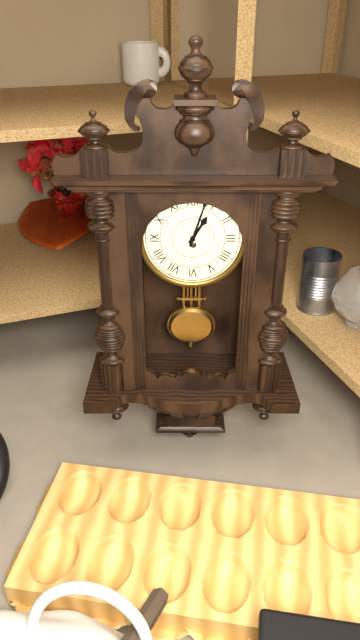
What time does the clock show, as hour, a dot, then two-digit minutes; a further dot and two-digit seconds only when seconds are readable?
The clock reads 1.03
